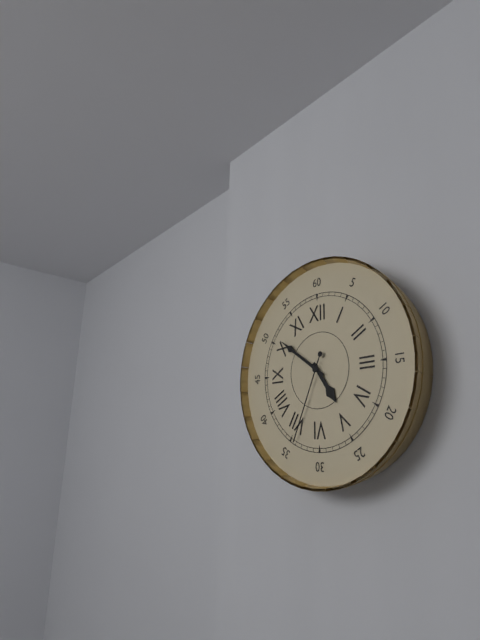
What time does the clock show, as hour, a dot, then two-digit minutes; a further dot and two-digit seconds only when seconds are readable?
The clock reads 4.51.34
